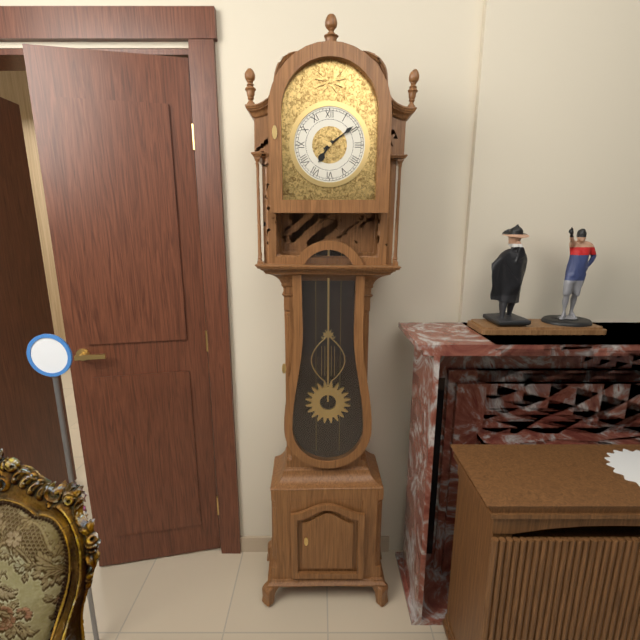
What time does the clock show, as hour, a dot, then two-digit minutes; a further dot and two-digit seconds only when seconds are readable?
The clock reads 7.09
